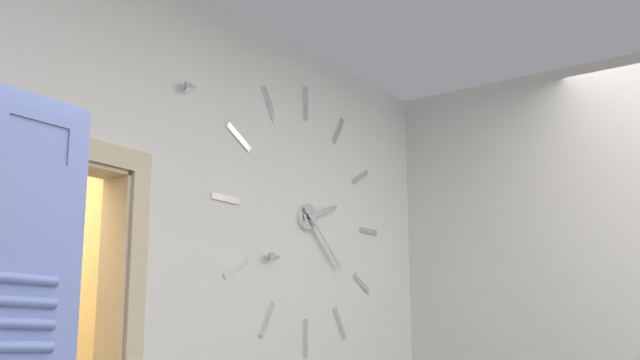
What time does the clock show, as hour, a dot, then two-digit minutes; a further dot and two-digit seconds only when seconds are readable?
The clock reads 2.22
